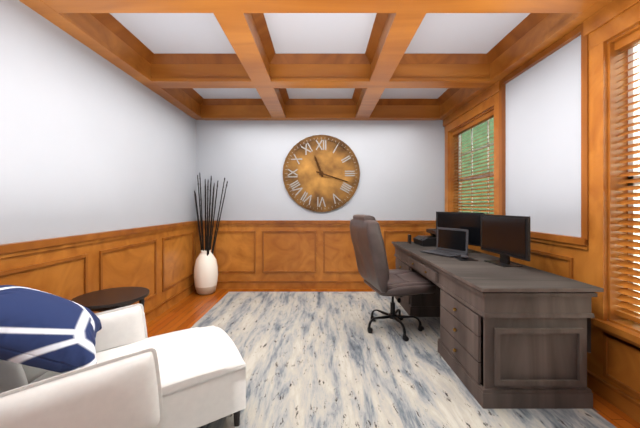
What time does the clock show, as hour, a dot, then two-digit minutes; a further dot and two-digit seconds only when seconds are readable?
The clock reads 11.18
